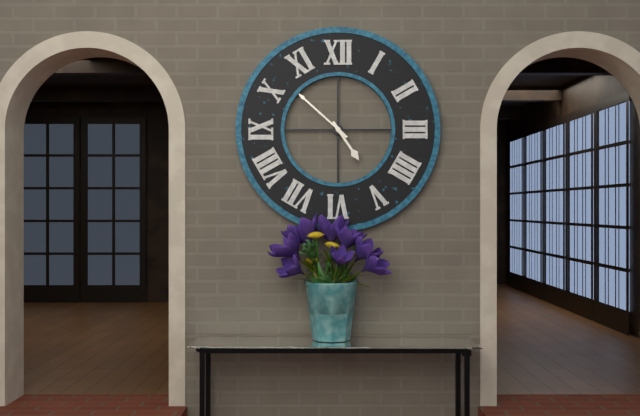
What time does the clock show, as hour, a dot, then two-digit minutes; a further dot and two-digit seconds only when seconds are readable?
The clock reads 4.52
